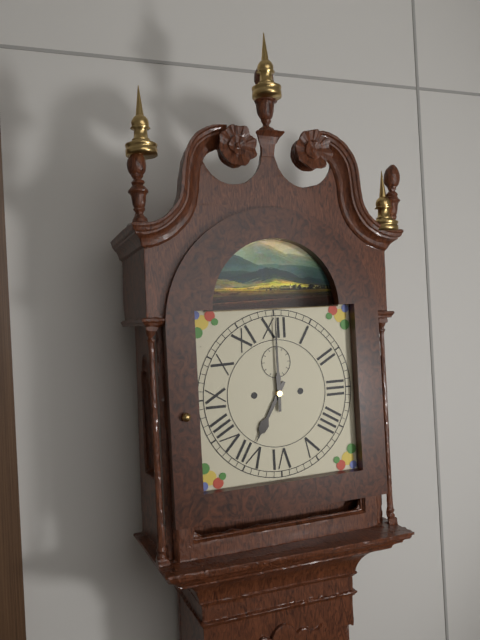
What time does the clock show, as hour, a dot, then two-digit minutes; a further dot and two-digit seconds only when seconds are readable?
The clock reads 7.00
